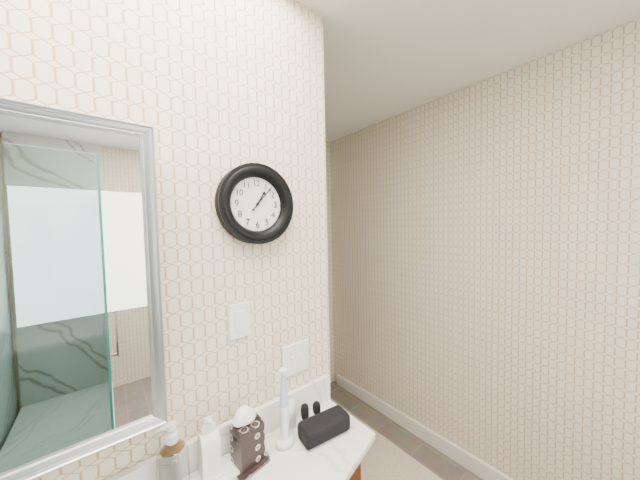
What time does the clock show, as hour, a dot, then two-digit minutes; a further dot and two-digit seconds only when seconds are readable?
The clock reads 1.07
